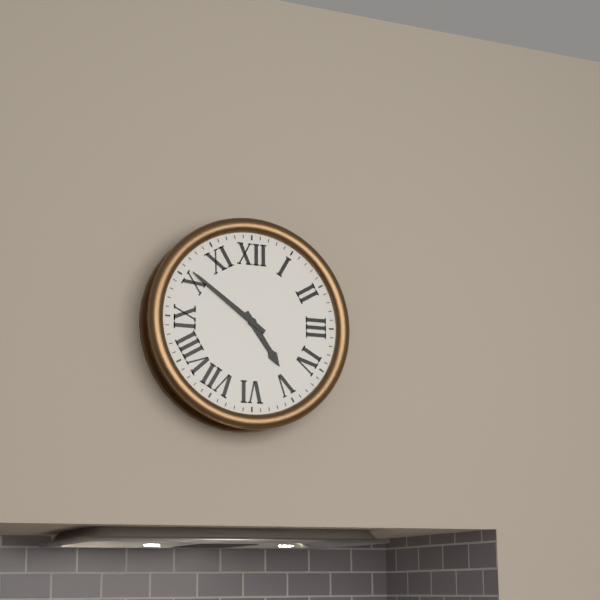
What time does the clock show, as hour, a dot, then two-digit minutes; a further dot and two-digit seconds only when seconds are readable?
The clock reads 4.51
